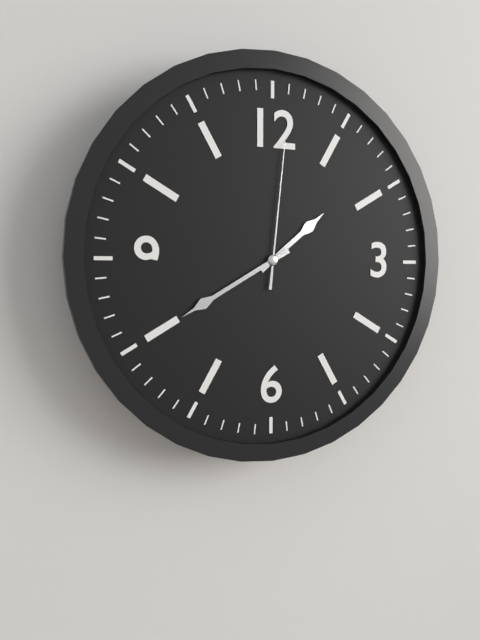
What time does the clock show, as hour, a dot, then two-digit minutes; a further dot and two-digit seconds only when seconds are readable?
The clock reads 1.40.01
